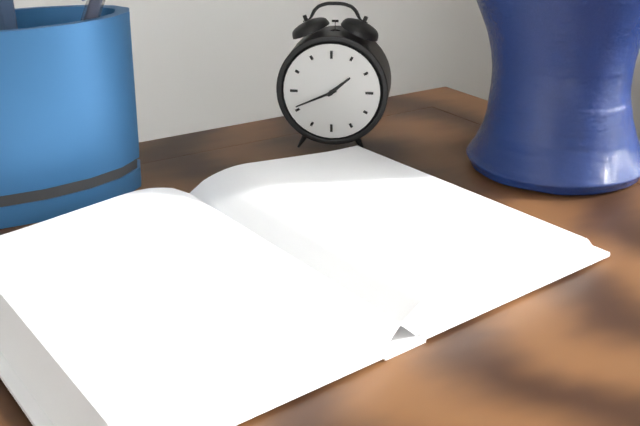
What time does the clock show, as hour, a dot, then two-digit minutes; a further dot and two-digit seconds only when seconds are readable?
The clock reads 1.41
